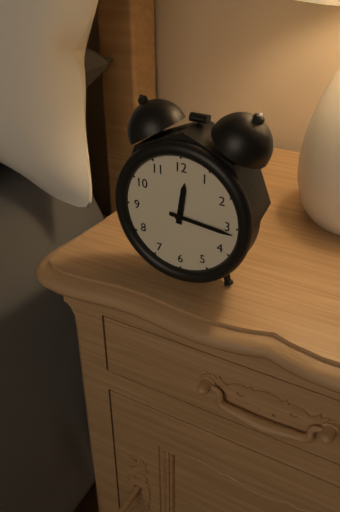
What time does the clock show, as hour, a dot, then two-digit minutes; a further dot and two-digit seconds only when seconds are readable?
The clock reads 12.16
